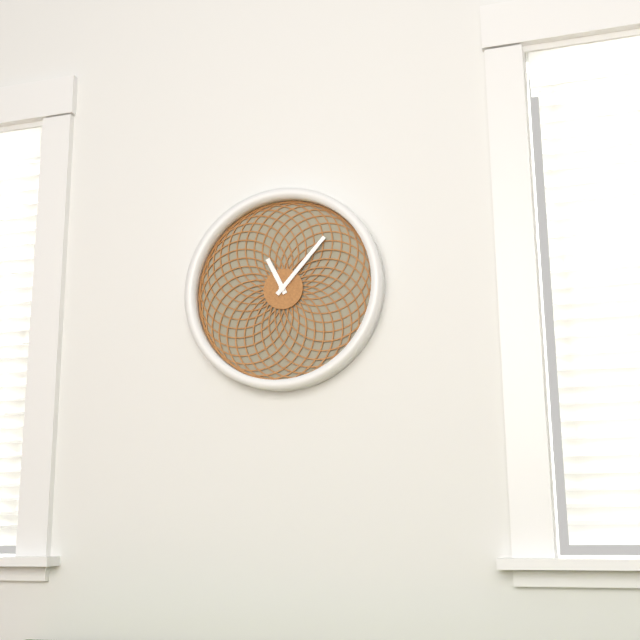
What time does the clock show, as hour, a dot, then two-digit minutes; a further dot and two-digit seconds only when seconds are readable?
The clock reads 11.07
